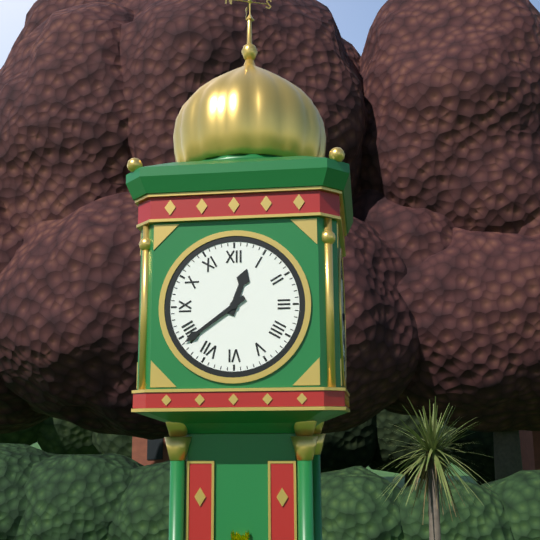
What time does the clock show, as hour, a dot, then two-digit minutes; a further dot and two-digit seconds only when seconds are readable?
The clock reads 12.39
